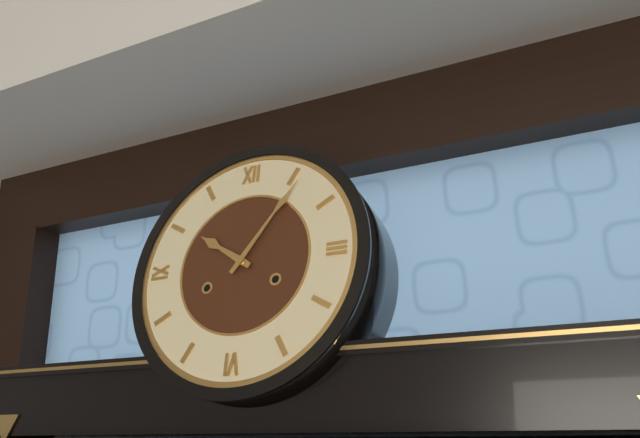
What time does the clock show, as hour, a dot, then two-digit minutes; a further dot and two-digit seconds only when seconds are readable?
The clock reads 10.06
